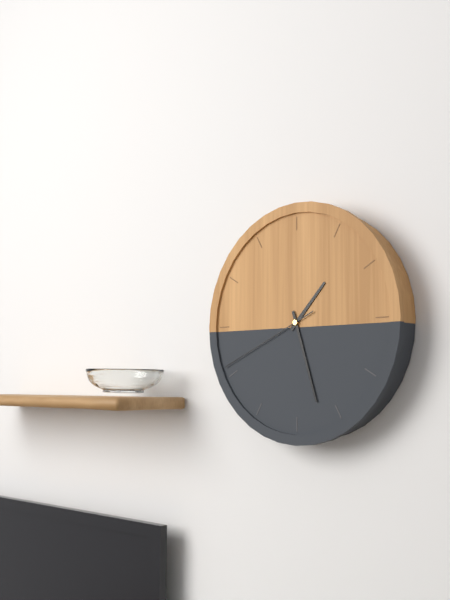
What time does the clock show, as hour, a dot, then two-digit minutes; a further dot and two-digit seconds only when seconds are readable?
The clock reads 1.27.41
